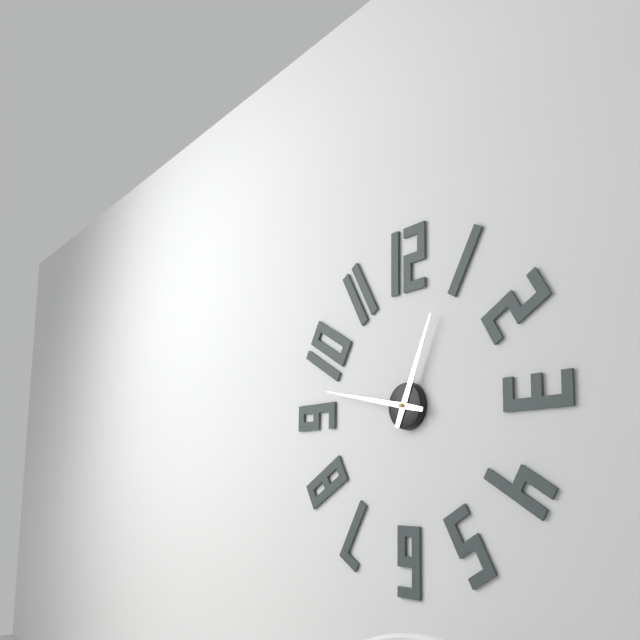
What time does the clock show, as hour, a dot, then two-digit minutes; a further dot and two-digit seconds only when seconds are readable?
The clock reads 12.47
